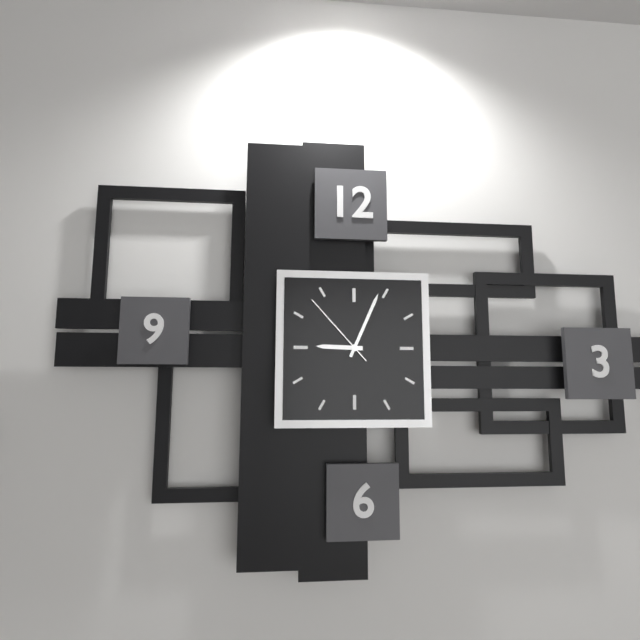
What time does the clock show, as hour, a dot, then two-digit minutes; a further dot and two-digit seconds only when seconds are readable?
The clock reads 9.04.53
